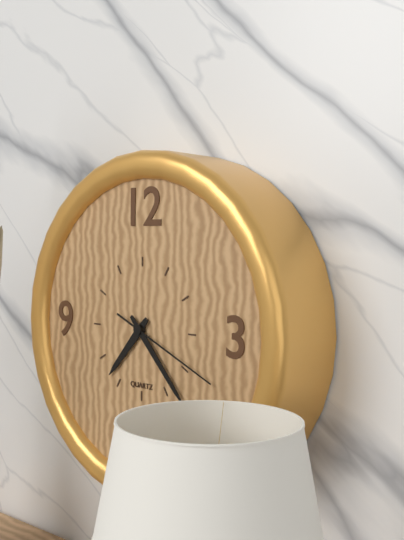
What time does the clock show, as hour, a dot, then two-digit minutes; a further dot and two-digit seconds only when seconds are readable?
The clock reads 7.23.19
